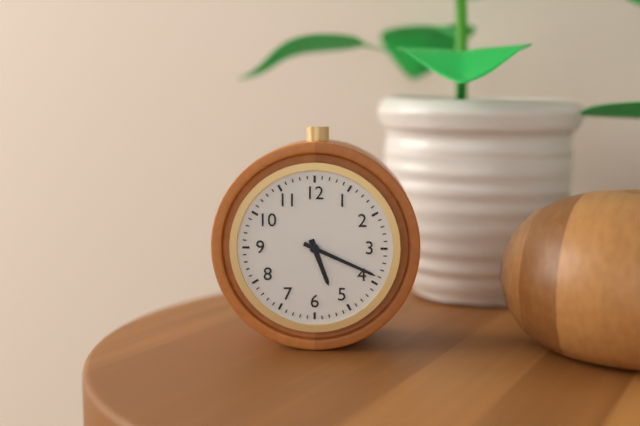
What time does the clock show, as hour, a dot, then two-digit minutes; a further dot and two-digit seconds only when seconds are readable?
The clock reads 5.19
